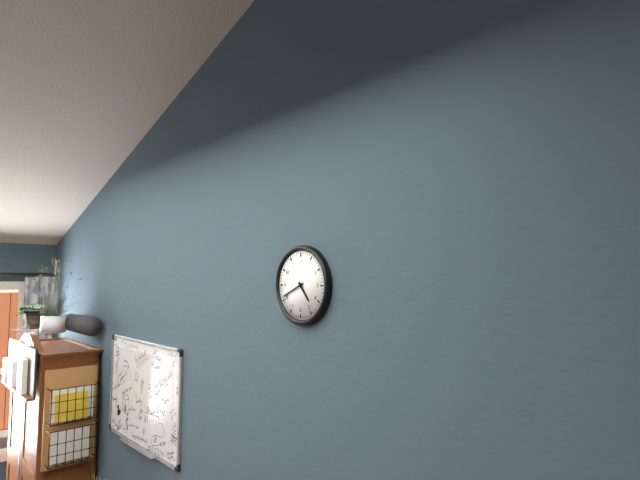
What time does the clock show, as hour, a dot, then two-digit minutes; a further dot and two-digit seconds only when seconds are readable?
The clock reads 4.41
